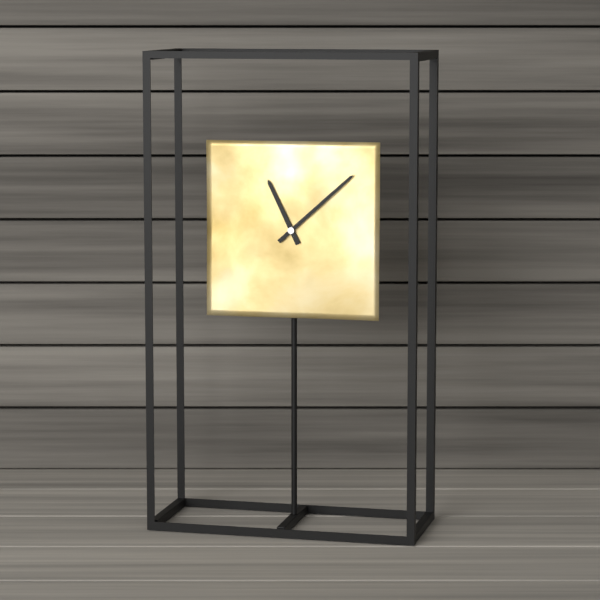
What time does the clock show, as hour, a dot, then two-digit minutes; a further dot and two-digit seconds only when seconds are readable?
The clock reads 11.08
